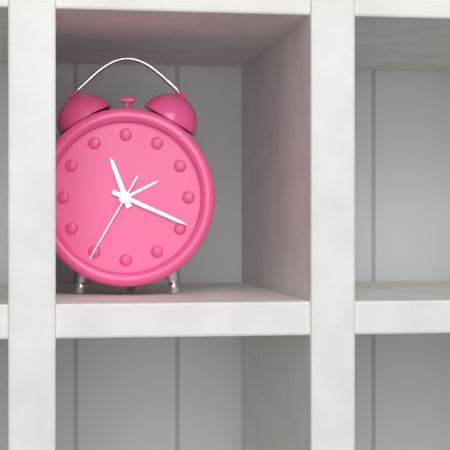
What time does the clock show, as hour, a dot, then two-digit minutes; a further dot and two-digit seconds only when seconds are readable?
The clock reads 11.19.35
